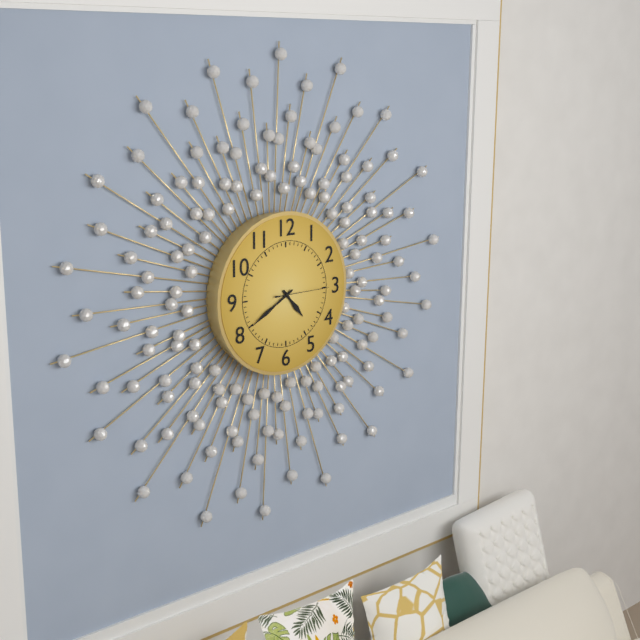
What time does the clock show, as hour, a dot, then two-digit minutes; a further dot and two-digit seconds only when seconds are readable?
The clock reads 4.40.15
